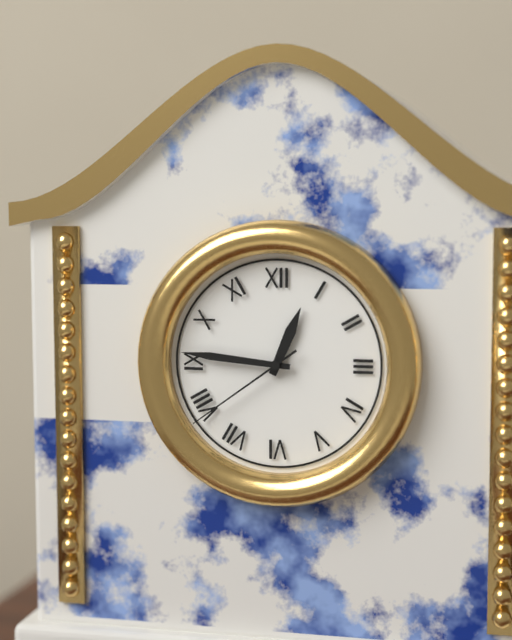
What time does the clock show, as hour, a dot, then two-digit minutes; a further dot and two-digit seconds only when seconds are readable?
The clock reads 12.46.39
